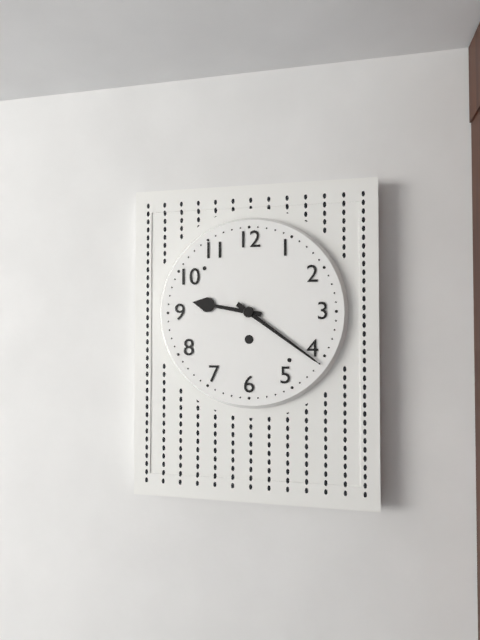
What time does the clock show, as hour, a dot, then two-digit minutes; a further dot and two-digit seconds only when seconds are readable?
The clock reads 9.21
